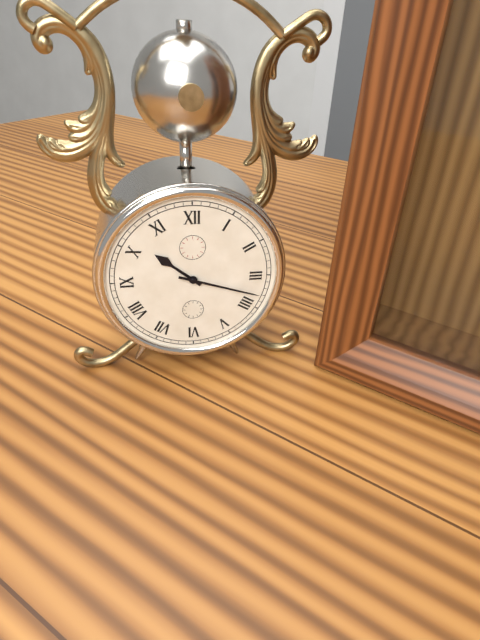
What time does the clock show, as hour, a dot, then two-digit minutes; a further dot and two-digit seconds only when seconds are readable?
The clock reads 10.18
